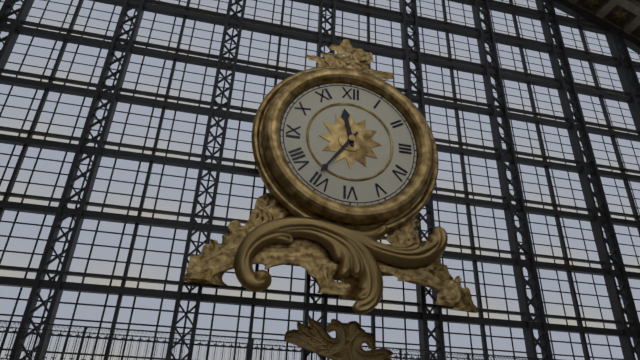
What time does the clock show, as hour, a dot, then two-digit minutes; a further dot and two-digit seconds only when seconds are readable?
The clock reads 11.36
